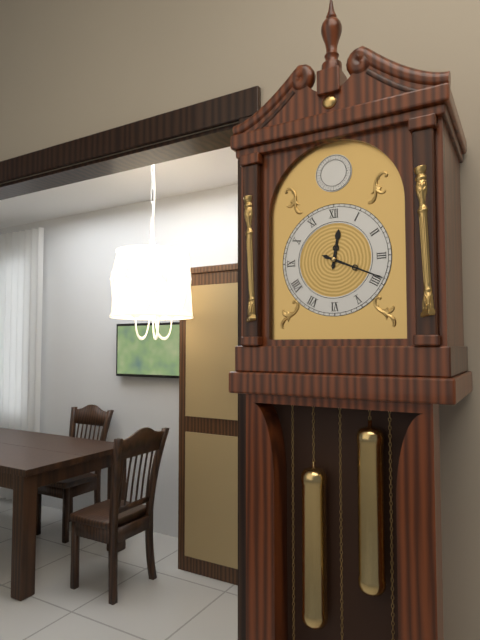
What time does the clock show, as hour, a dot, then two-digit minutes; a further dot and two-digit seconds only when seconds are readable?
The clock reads 12.19
